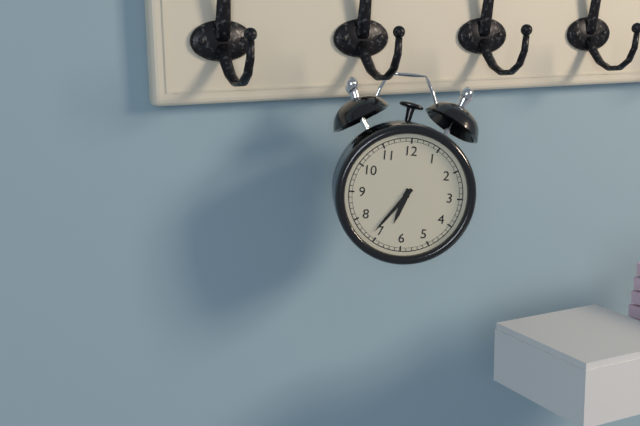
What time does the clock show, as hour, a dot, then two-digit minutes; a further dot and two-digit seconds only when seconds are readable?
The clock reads 6.36
